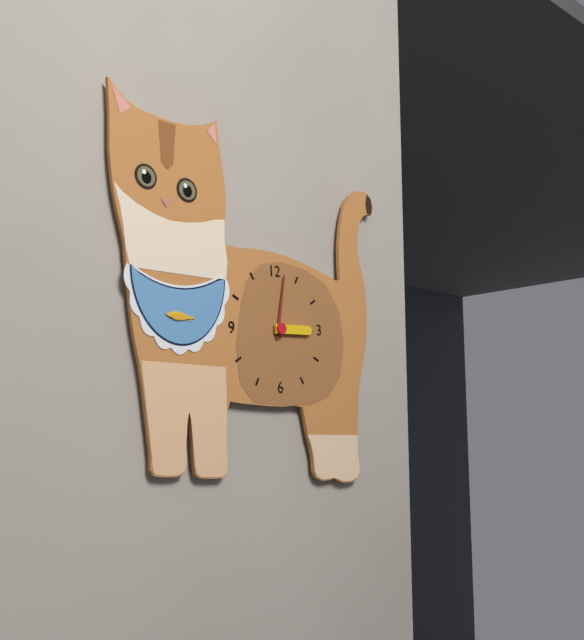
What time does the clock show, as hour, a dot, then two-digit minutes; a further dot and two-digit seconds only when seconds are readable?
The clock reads 3.02
